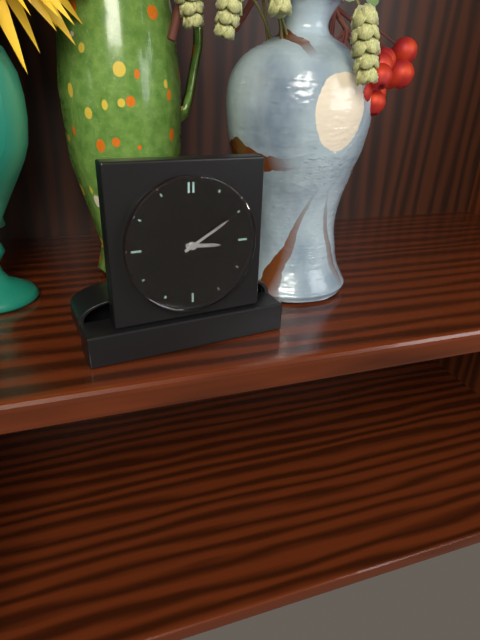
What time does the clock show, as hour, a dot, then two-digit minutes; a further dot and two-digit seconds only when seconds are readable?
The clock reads 3.10
